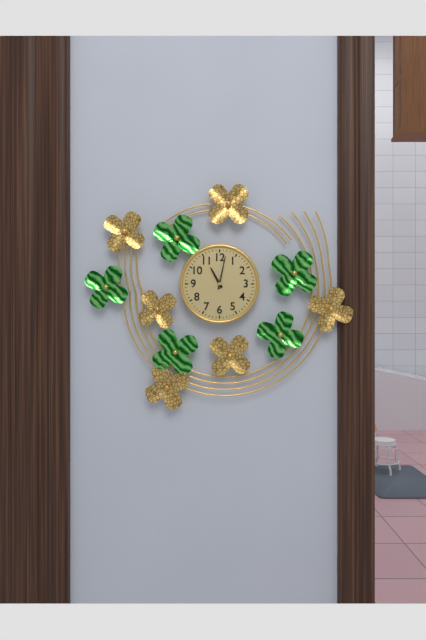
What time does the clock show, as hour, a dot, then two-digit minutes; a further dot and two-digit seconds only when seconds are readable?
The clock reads 11.02
